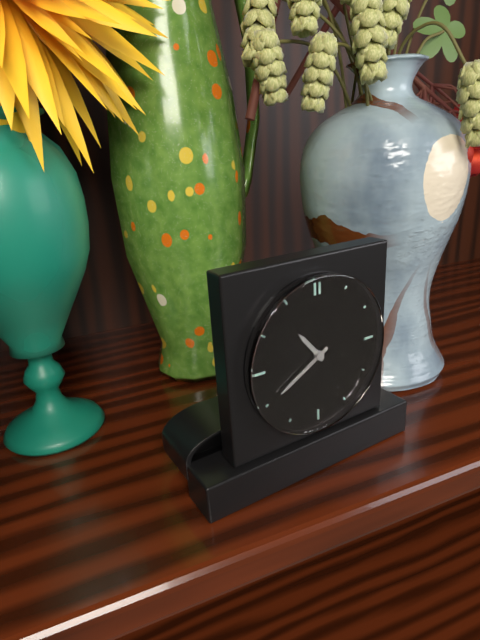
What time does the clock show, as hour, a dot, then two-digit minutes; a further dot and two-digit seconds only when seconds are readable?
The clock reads 10.40
